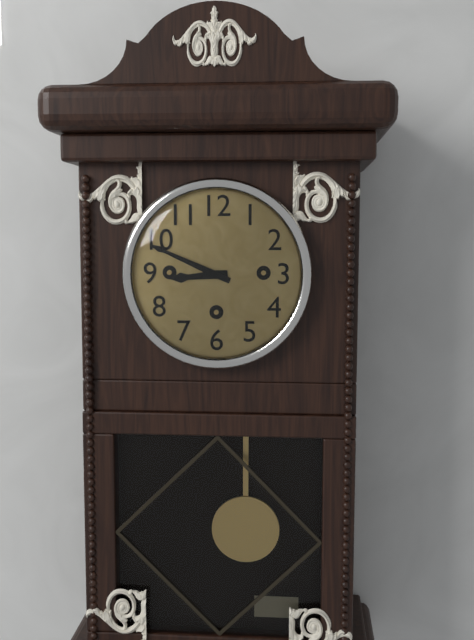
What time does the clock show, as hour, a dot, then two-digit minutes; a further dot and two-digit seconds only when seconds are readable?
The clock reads 8.49
